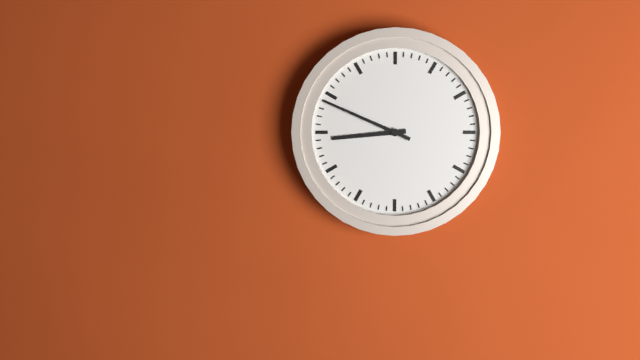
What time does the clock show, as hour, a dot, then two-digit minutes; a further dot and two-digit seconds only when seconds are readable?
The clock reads 8.49
